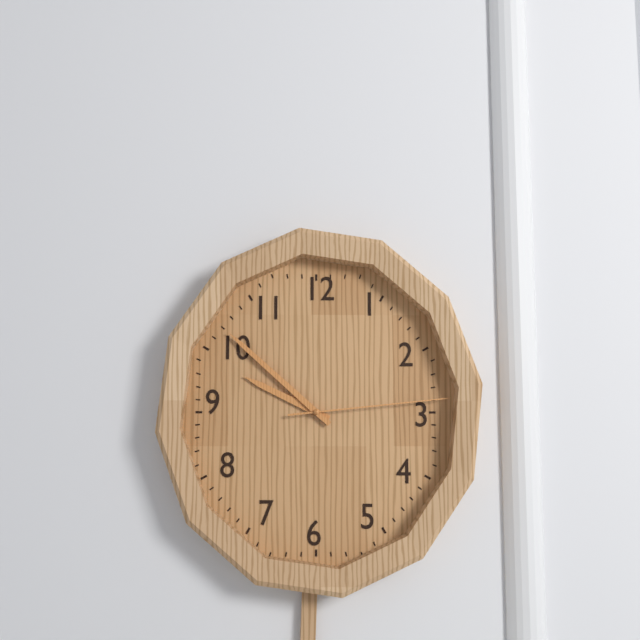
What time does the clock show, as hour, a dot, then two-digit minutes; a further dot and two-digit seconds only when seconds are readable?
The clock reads 9.52.14
